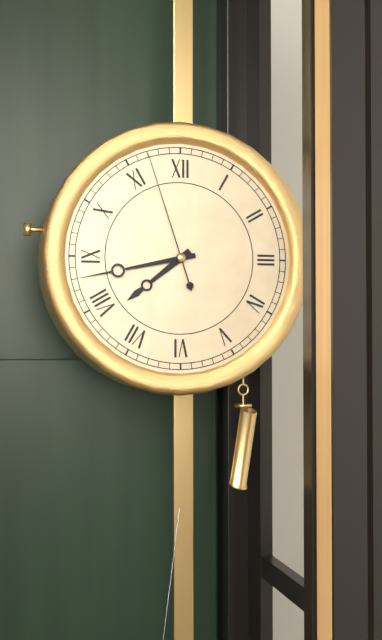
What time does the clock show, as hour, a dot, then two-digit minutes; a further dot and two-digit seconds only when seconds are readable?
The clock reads 7.43.57
